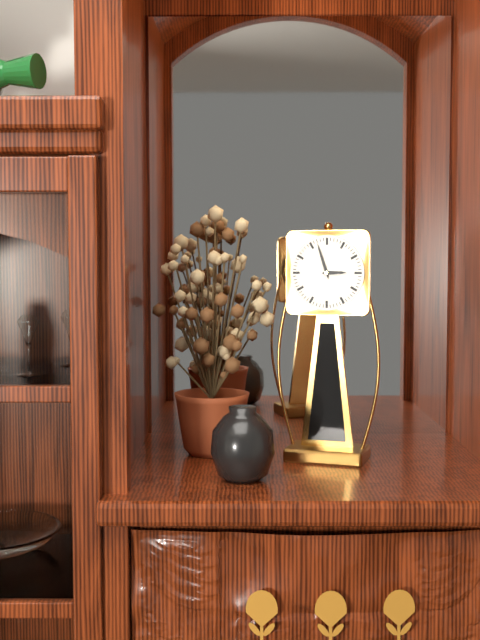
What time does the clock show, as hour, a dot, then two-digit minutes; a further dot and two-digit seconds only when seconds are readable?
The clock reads 2.57
